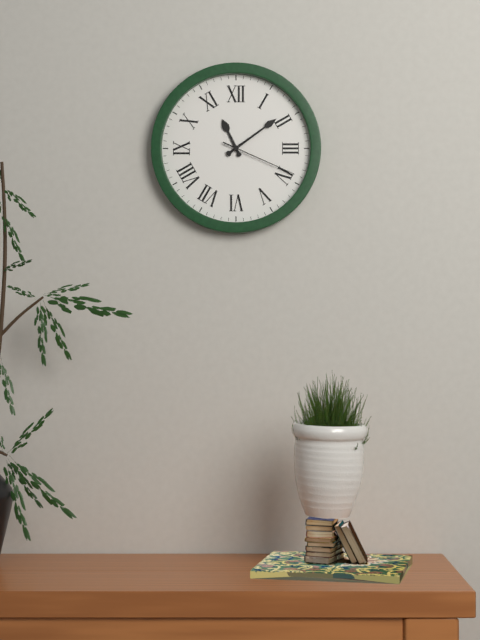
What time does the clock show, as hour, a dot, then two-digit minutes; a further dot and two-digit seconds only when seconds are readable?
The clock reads 11.09.19
